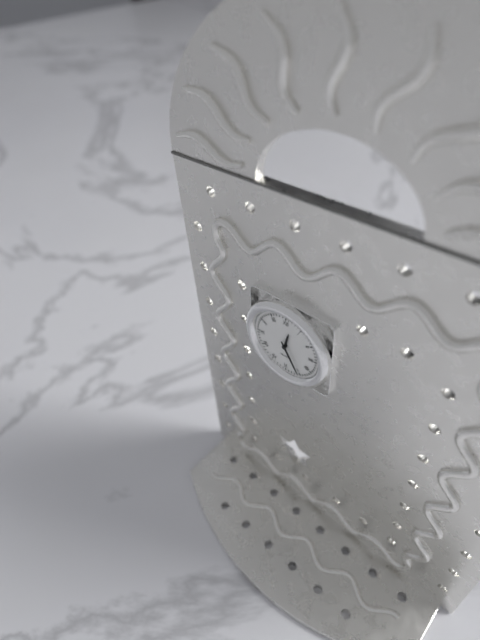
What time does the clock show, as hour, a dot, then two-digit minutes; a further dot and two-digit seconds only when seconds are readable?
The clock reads 12.25
